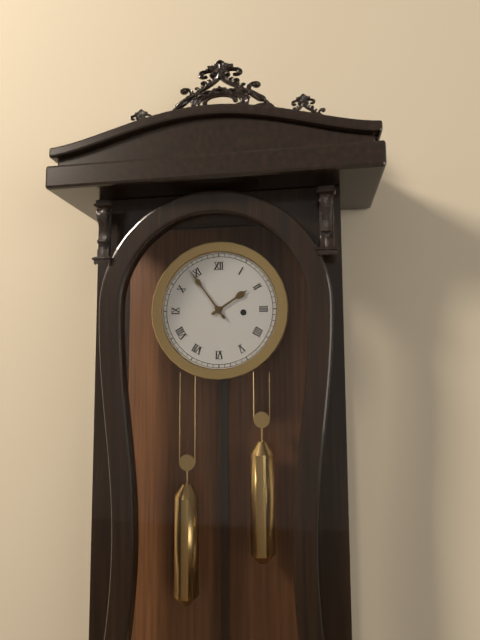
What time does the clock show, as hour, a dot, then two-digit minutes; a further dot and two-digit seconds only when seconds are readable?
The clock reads 1.54
